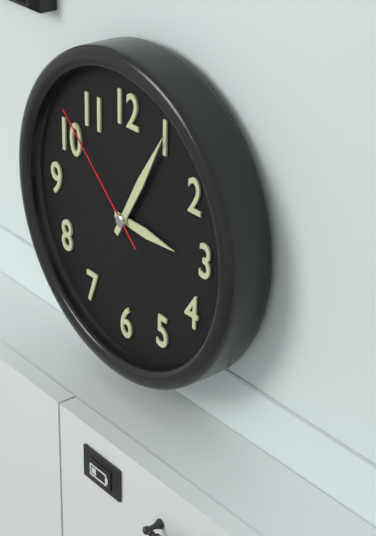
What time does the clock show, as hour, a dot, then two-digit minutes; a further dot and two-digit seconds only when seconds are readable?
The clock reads 3.05.52
